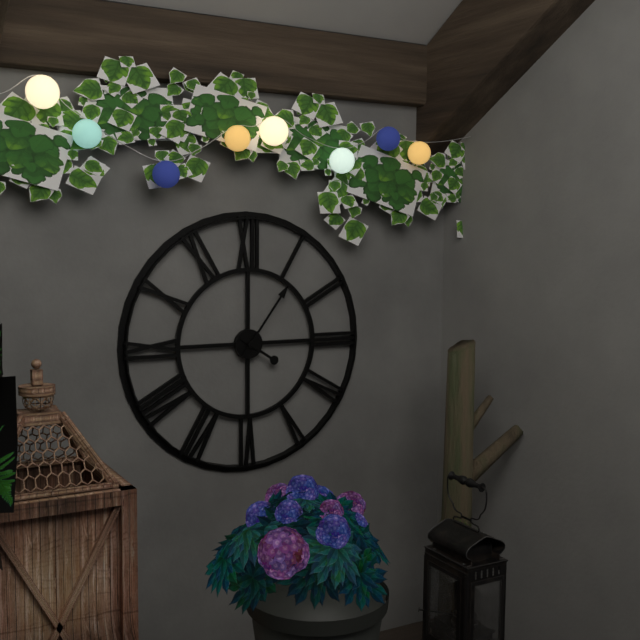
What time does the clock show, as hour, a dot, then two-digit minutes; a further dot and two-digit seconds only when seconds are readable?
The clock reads 4.06
